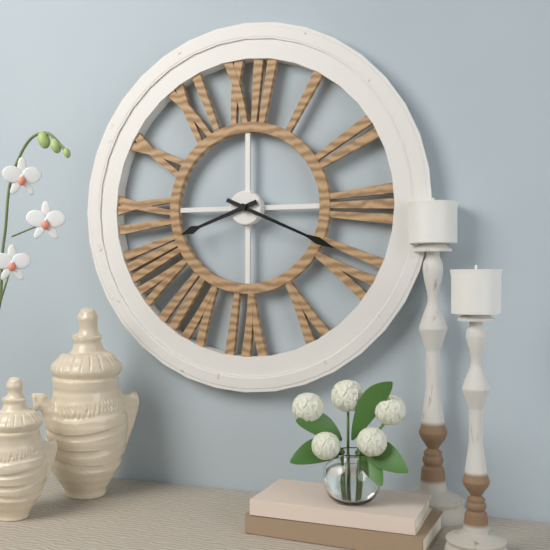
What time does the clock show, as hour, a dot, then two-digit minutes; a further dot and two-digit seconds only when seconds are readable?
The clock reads 8.19
